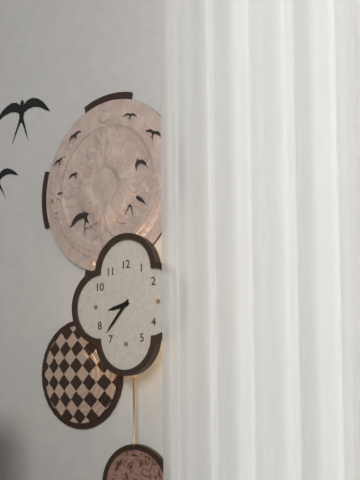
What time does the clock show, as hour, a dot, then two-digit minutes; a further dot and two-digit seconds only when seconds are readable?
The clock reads 8.37
